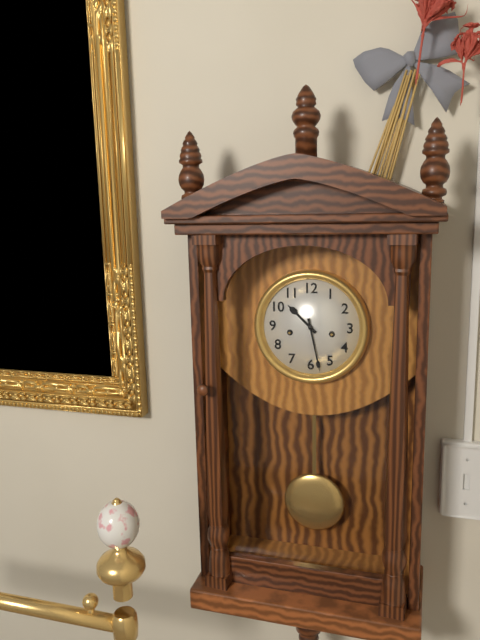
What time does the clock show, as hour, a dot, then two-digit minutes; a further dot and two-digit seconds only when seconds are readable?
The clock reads 10.28
